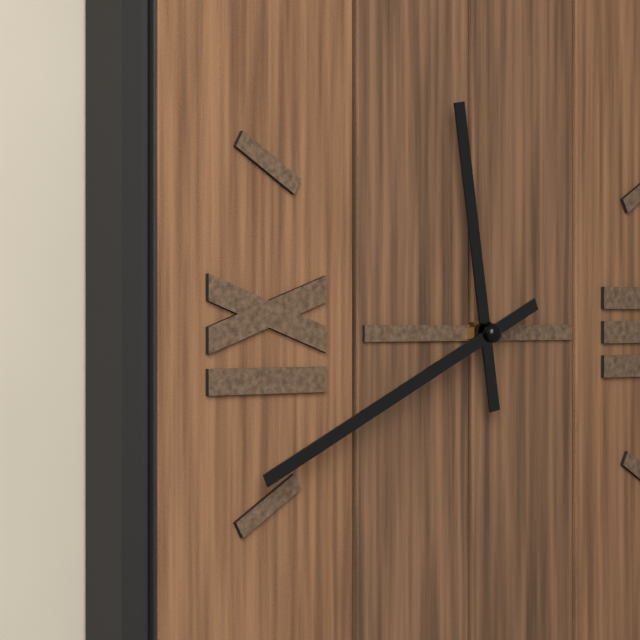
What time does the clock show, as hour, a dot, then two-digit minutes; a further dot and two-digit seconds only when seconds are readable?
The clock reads 11.41
